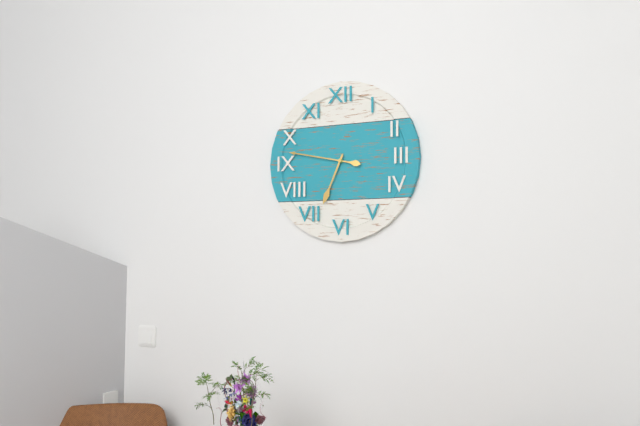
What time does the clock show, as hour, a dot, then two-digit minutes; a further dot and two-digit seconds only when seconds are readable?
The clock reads 6.47
